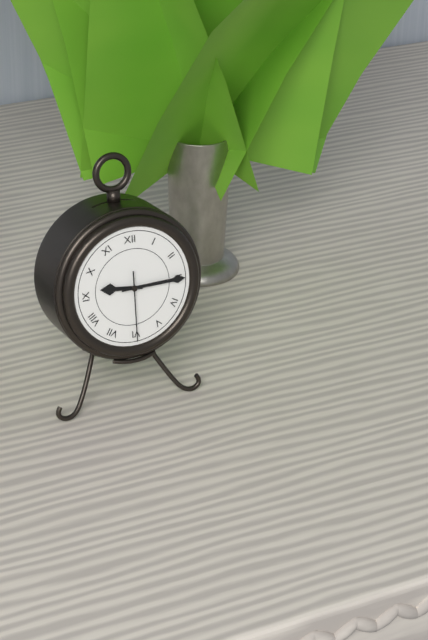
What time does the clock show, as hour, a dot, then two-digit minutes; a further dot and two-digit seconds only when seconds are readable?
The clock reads 9.15.30
